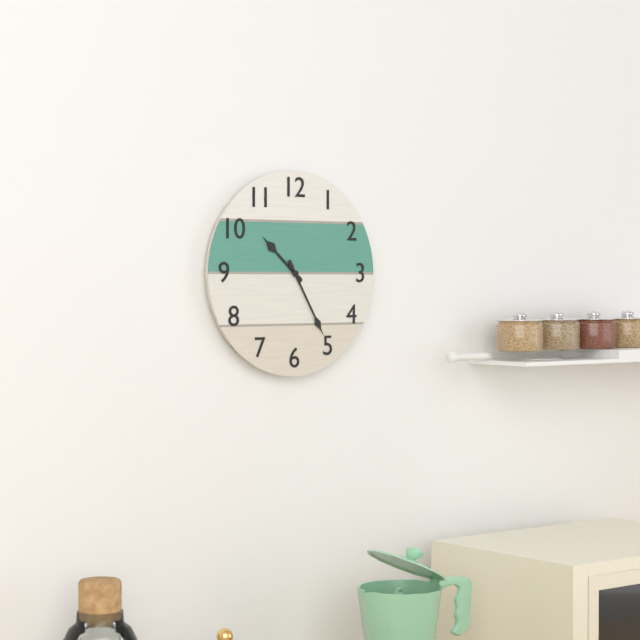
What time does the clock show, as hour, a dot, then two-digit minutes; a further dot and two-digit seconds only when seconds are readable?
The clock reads 10.25
